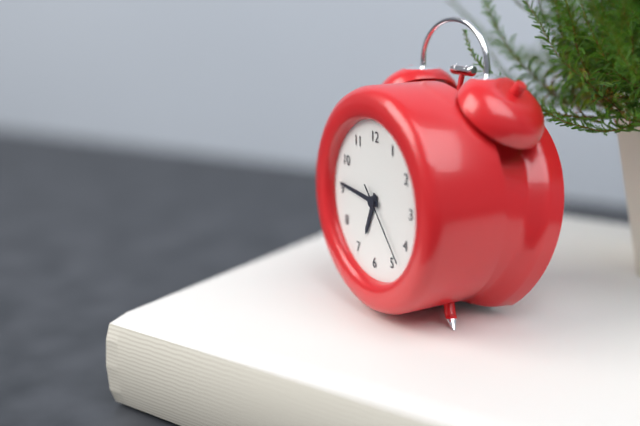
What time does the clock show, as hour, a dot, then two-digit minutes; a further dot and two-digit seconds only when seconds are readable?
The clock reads 6.46.23
